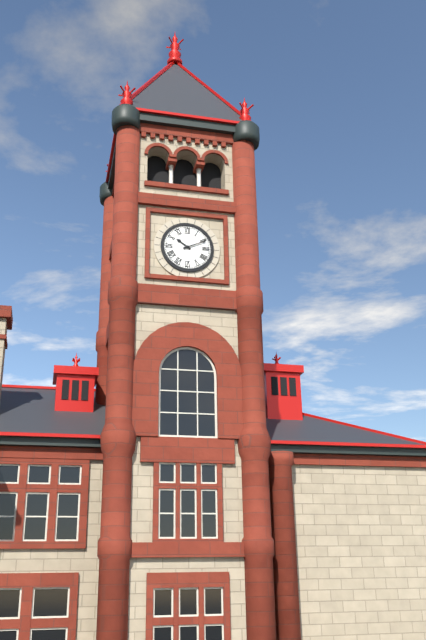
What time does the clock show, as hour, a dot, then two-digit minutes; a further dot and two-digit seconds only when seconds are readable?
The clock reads 10.11
